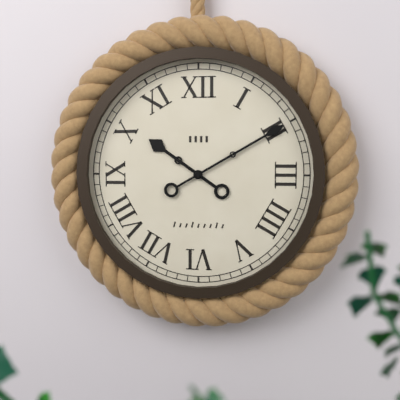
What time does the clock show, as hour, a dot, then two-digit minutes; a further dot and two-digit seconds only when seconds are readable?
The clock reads 10.10
